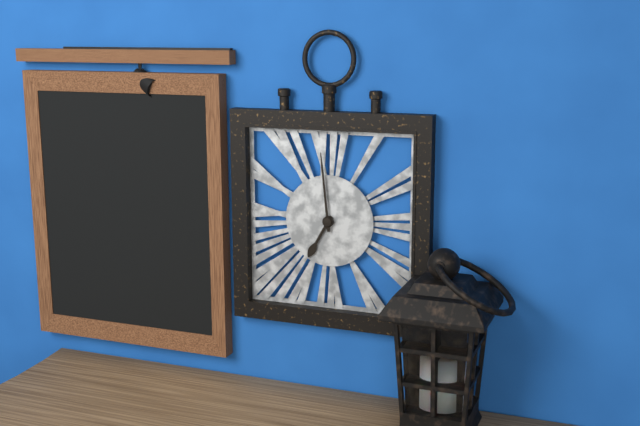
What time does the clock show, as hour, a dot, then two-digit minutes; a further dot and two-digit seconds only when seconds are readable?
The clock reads 6.59
